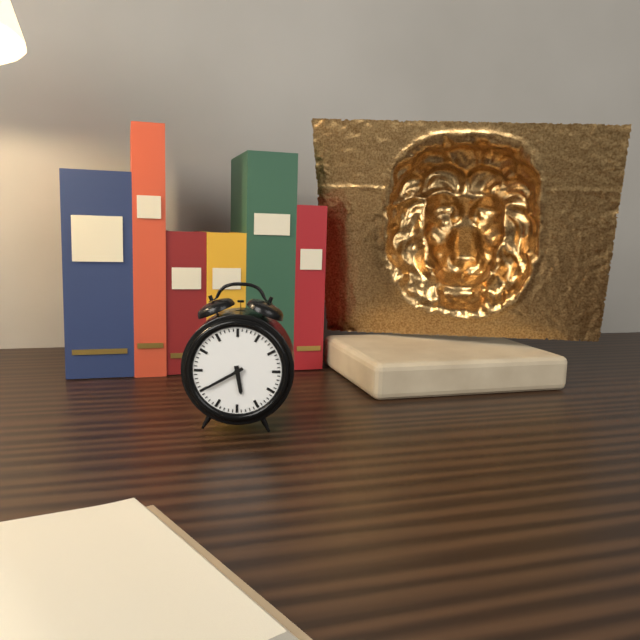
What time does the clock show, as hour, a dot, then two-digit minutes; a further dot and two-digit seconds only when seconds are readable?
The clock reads 5.40
